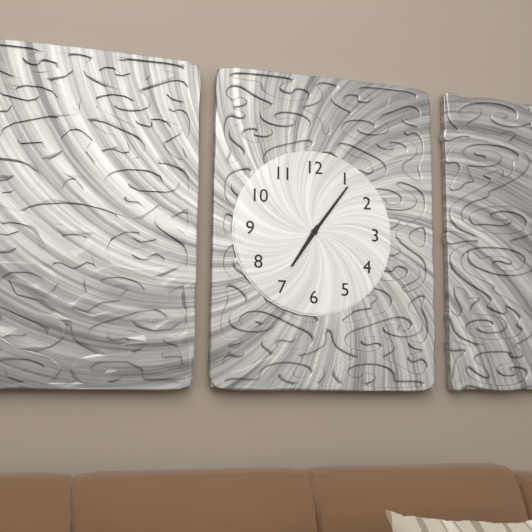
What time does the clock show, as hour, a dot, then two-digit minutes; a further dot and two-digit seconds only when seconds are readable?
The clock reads 7.06
